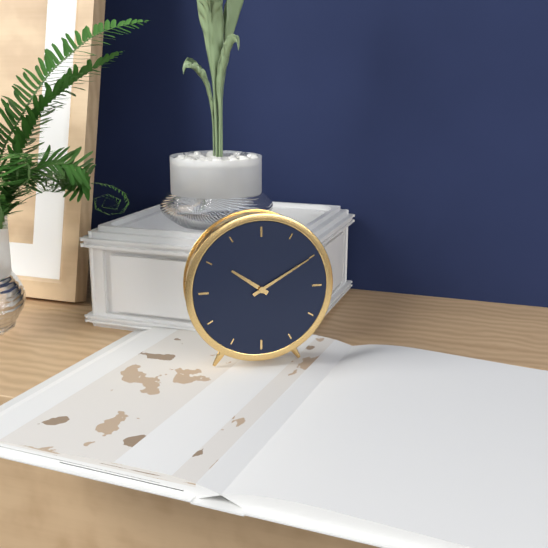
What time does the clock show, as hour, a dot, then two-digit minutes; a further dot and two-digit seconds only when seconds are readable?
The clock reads 10.10
